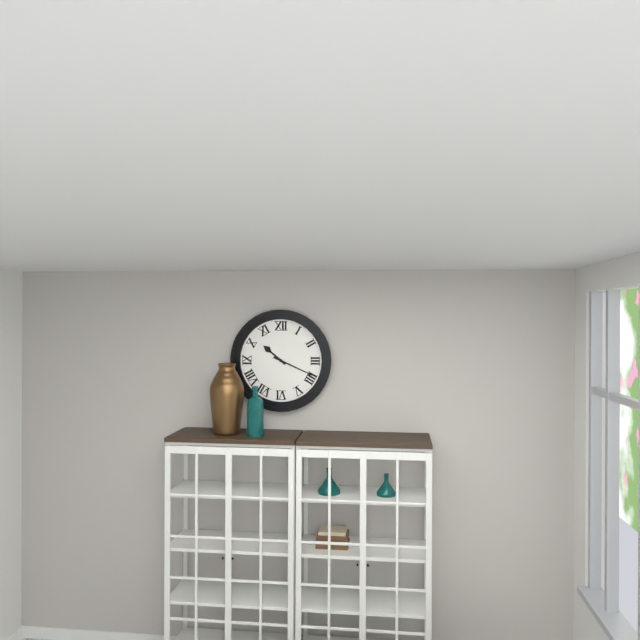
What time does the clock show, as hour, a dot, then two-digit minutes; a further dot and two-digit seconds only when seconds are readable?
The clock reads 10.19
